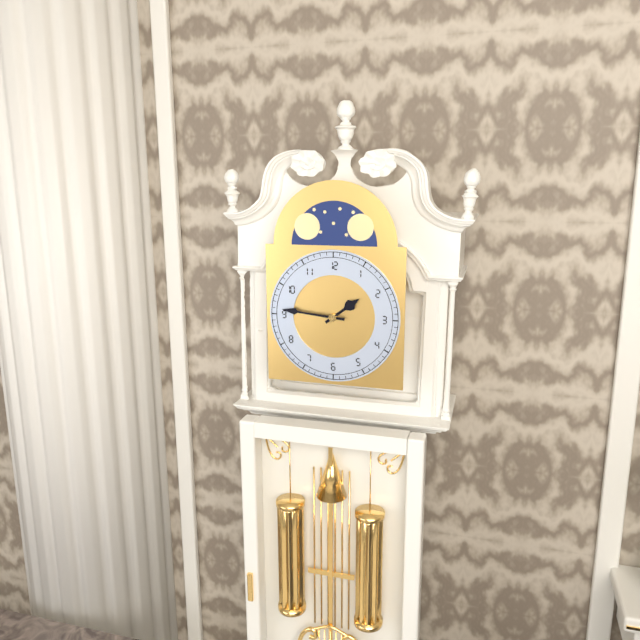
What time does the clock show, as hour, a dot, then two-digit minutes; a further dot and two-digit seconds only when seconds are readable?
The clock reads 1.46
